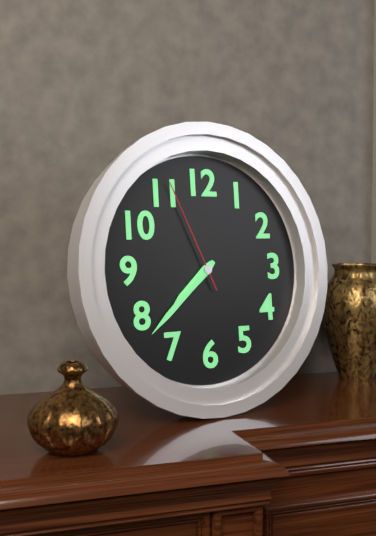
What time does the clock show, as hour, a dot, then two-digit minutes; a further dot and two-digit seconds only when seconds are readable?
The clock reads 7.38.56
